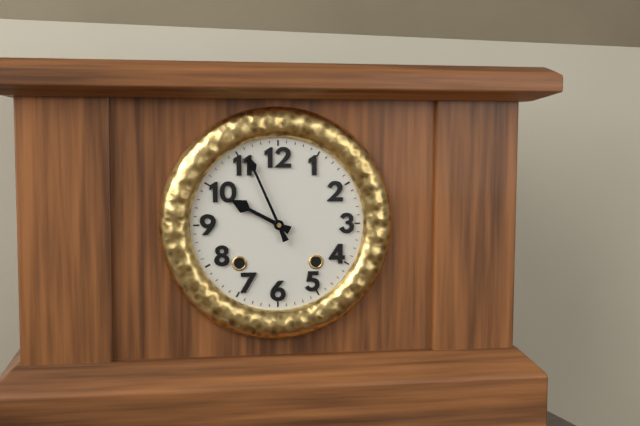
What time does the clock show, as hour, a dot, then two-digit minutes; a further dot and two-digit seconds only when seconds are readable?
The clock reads 9.56
